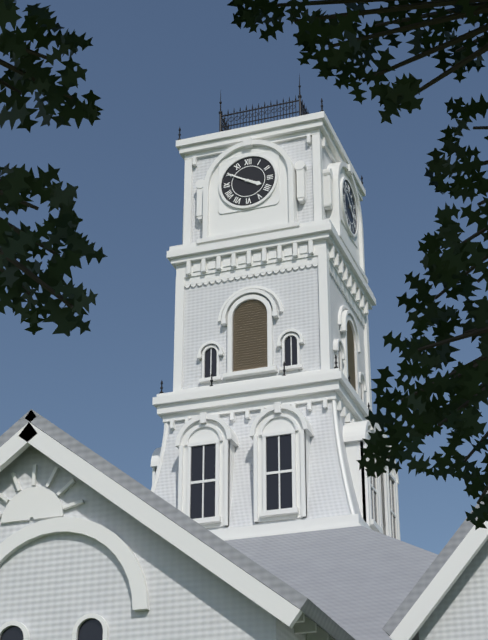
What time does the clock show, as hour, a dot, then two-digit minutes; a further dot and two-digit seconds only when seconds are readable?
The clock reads 3.50
